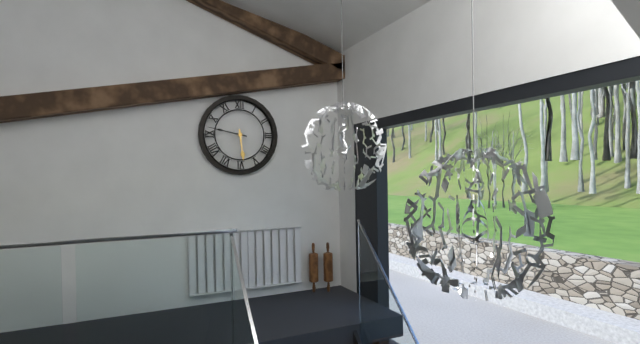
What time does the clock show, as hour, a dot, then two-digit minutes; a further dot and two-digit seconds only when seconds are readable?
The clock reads 5.47
